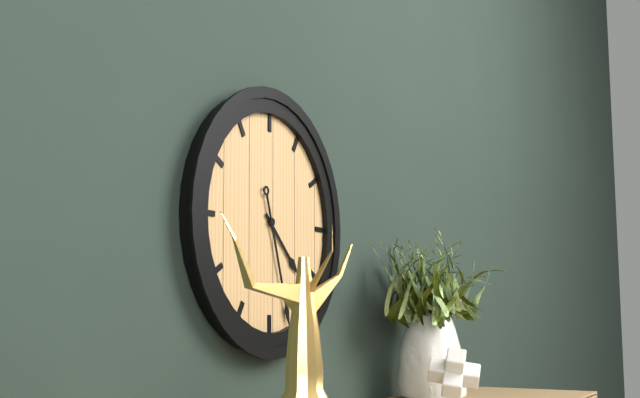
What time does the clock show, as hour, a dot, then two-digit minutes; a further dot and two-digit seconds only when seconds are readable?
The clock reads 4.27
